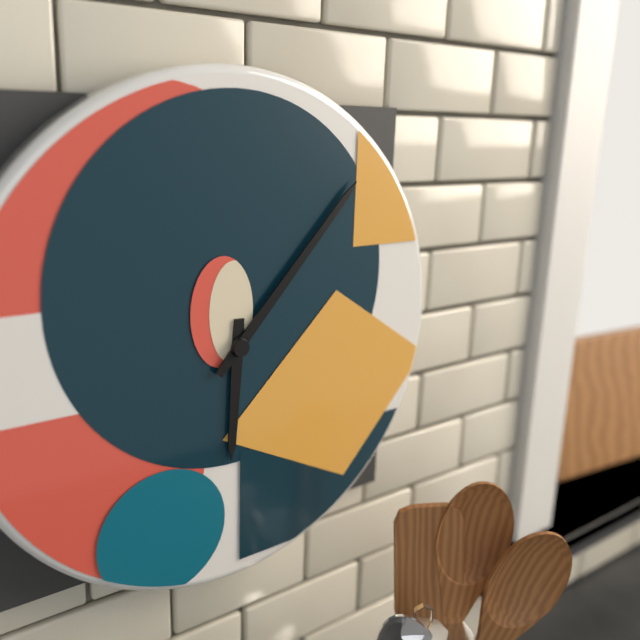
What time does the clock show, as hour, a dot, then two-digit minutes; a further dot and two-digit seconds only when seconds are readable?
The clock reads 6.07
